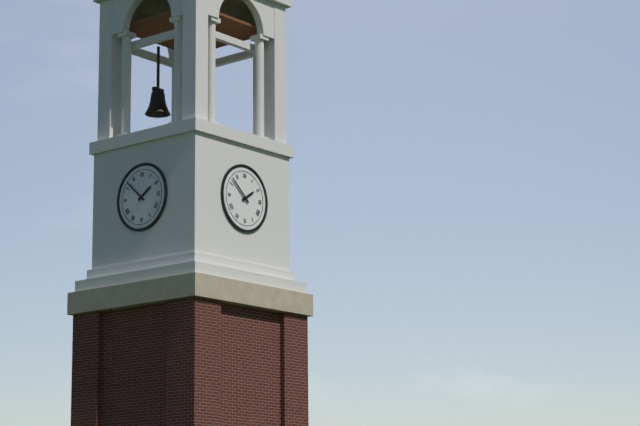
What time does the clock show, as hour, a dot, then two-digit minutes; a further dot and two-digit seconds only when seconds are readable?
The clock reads 1.52
